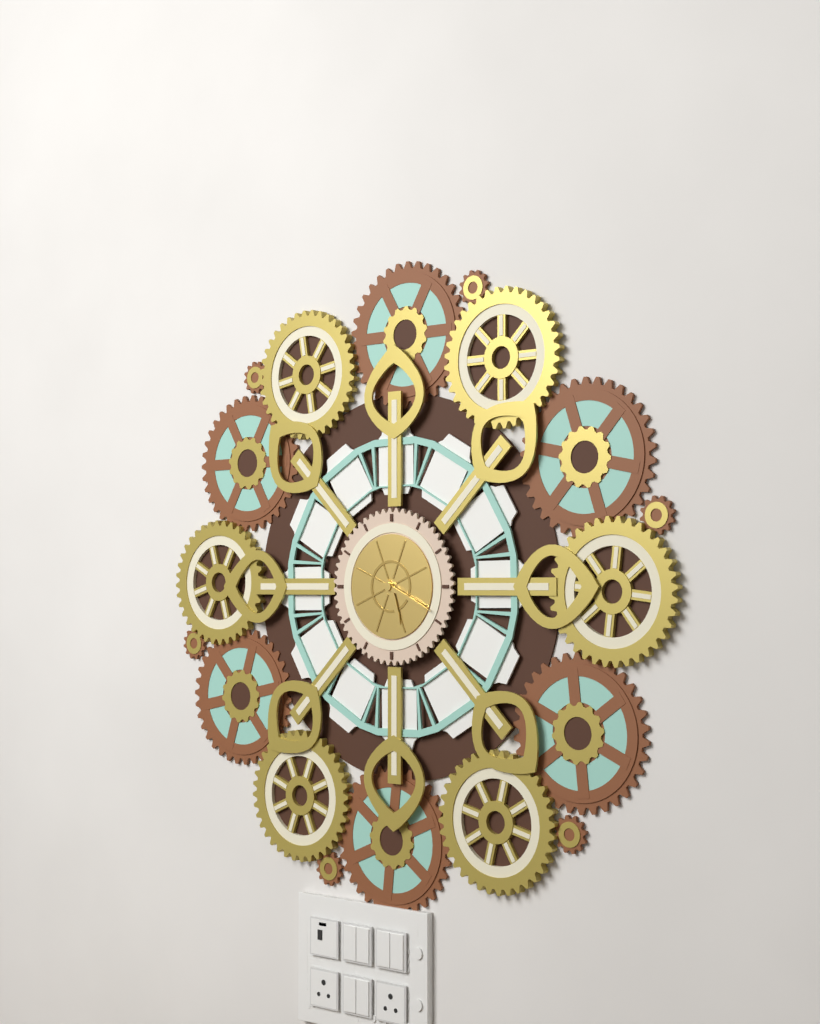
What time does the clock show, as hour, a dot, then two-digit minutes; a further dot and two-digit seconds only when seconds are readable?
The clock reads 5.19
